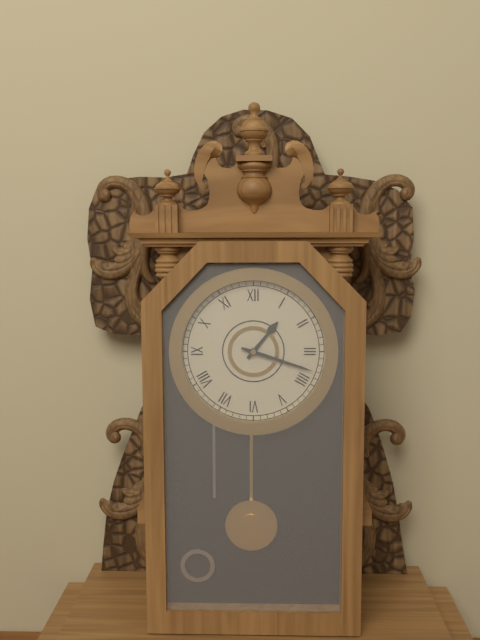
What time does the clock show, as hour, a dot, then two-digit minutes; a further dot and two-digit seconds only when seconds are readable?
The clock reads 1.18
